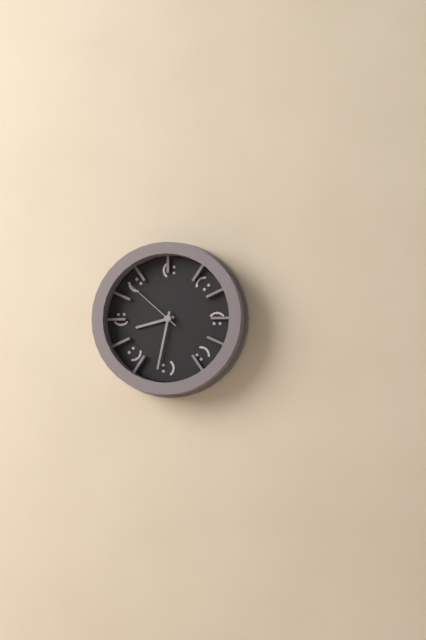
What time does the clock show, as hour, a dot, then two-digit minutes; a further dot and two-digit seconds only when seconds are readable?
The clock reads 8.32.52
